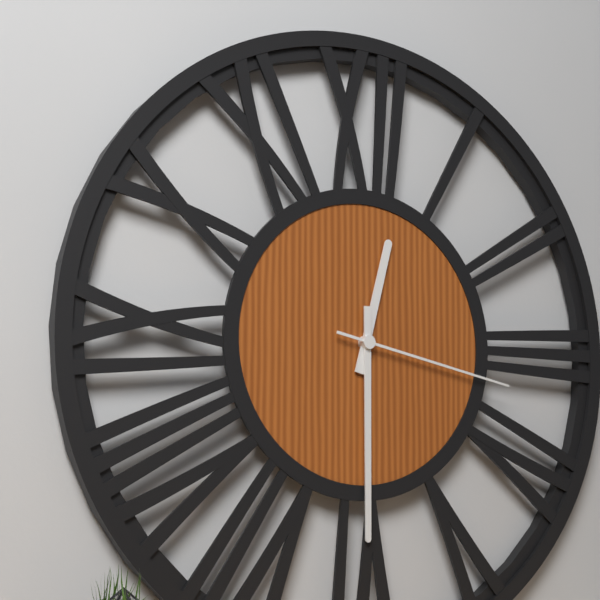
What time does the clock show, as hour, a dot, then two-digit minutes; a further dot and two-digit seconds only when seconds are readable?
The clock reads 12.30.17
